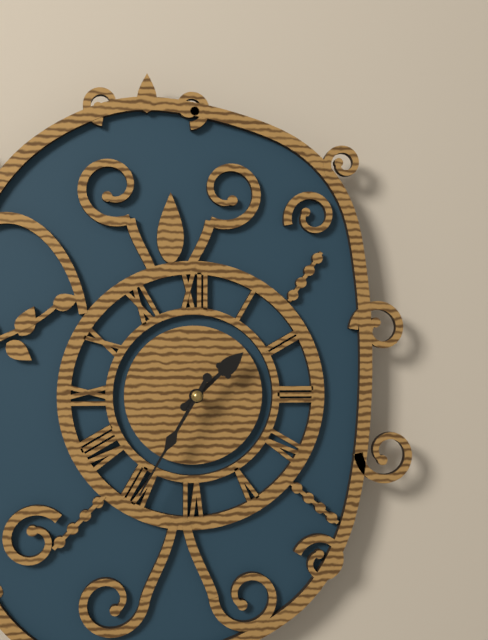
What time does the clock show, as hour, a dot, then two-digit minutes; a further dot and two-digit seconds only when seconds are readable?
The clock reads 1.35
